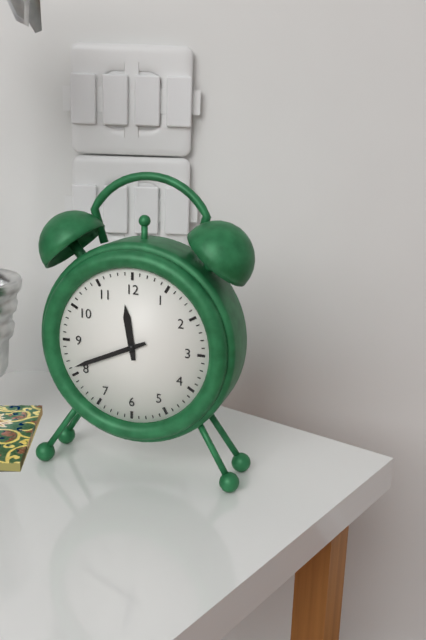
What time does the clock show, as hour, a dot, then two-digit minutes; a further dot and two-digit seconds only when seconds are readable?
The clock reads 11.41
